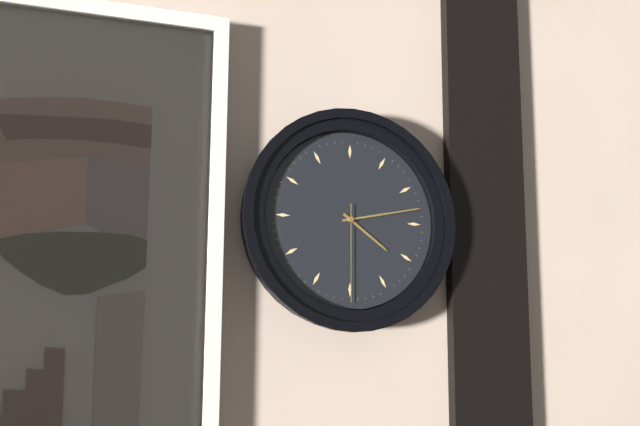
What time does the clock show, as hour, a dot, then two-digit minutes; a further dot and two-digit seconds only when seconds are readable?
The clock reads 4.13.30
